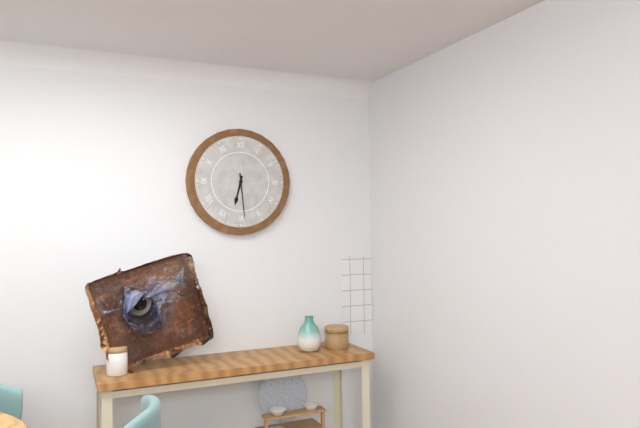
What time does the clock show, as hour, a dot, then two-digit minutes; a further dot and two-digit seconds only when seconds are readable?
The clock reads 6.29
